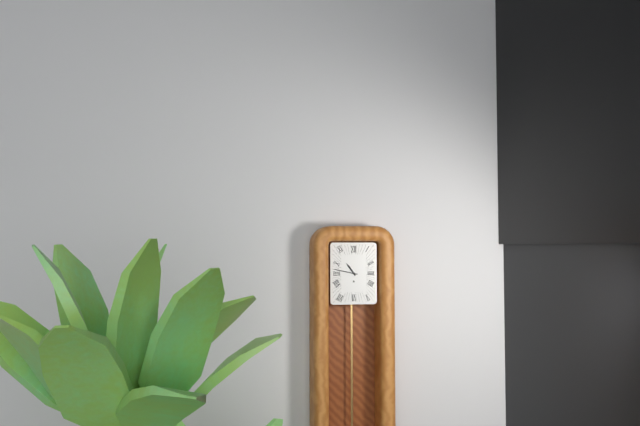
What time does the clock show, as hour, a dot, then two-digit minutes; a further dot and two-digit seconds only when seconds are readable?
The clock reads 10.47
